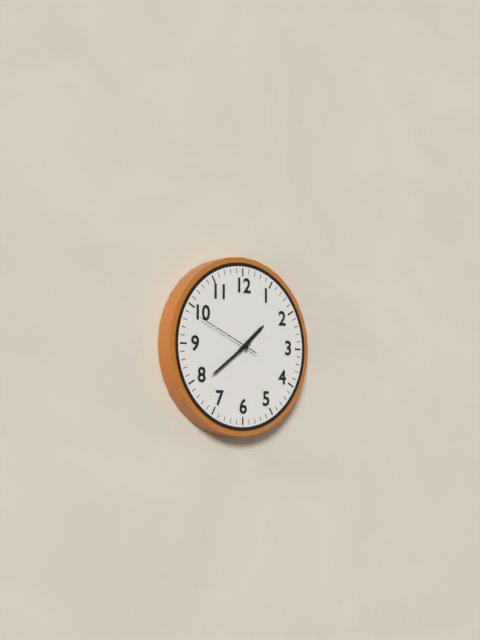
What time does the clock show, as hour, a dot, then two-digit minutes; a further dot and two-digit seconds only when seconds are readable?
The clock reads 1.39.49
